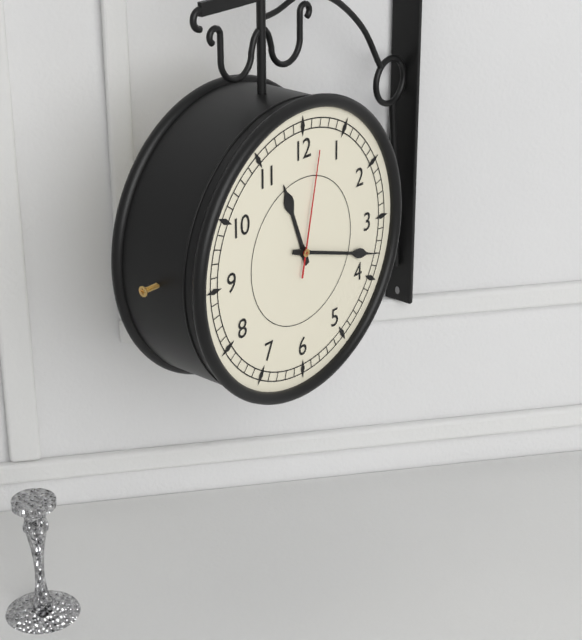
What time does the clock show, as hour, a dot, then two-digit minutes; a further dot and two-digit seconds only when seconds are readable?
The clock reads 11.18.02
